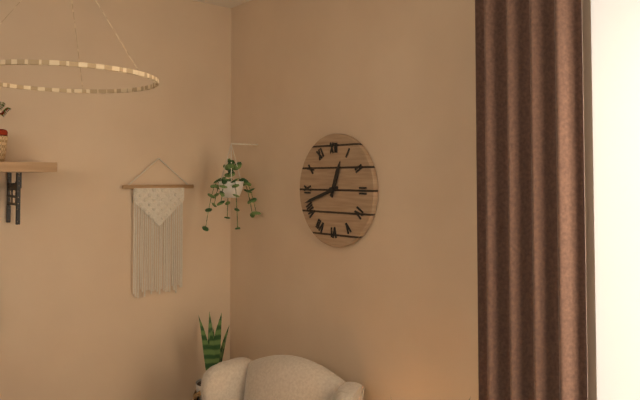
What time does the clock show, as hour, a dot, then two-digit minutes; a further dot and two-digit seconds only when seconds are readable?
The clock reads 12.42
